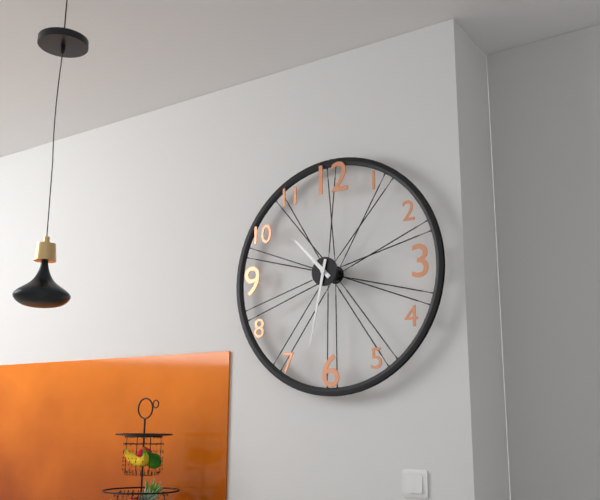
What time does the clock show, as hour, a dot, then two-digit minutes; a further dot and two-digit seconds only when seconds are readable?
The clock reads 10.32
